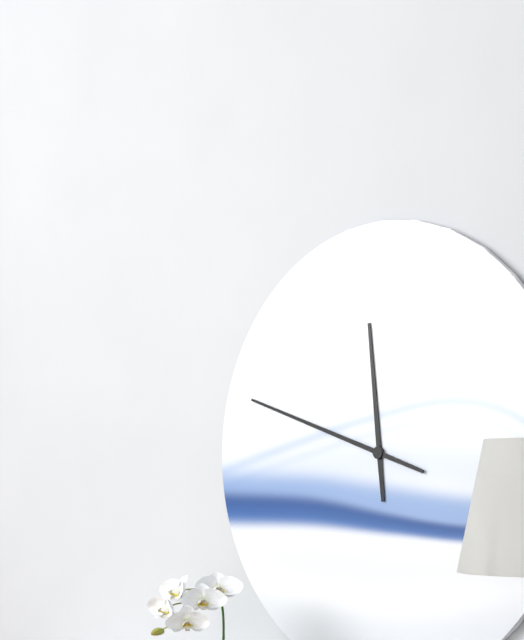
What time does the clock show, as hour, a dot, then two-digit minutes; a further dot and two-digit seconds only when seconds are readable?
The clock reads 11.48
